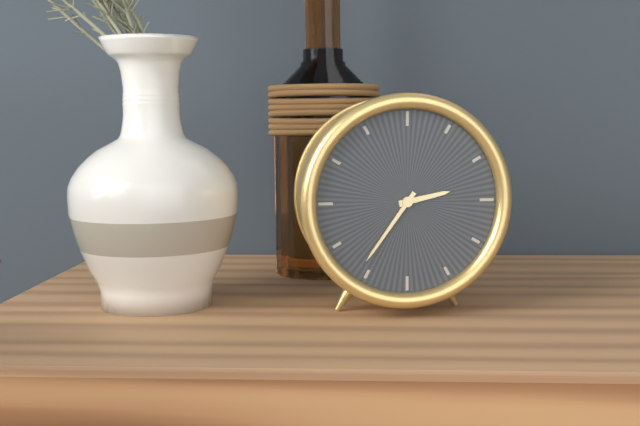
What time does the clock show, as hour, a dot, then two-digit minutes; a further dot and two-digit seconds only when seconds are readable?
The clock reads 2.36
